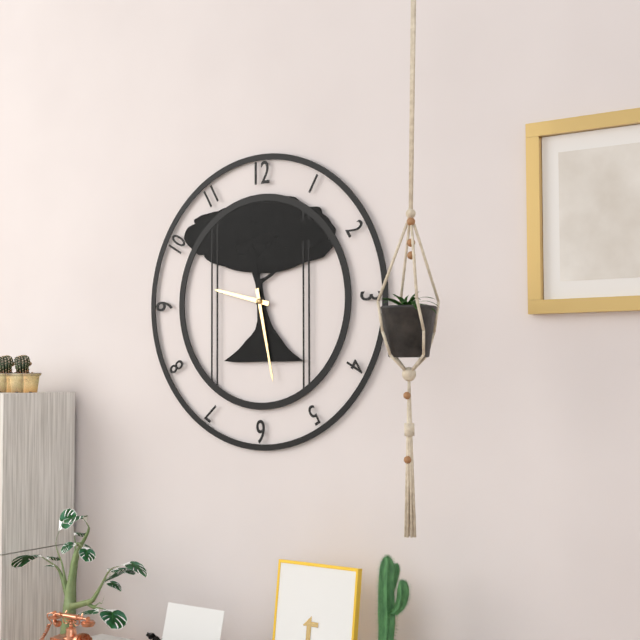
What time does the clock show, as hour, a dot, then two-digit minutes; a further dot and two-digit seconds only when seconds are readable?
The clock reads 9.28
